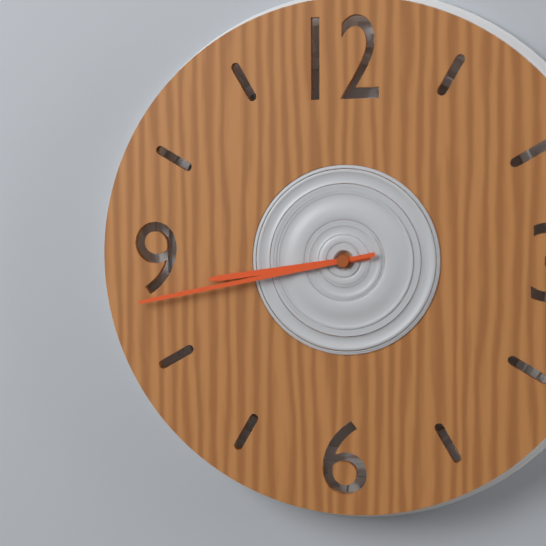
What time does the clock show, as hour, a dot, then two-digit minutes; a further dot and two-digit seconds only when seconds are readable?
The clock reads 8.43
